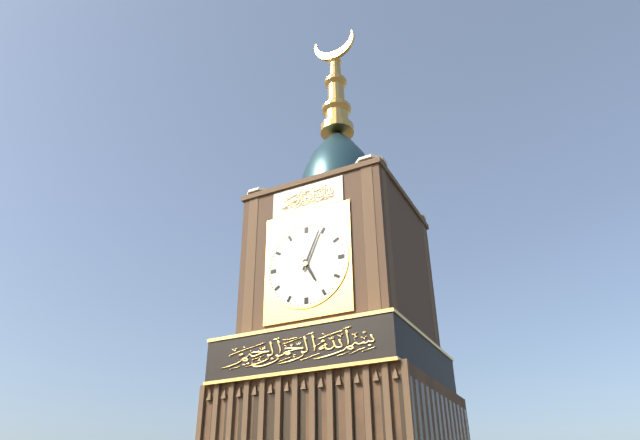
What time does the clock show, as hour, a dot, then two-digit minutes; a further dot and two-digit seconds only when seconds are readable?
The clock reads 5.04
